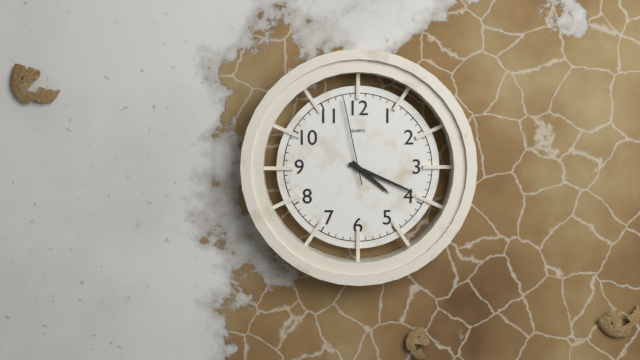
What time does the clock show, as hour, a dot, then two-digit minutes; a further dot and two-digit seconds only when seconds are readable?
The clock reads 4.19.58
